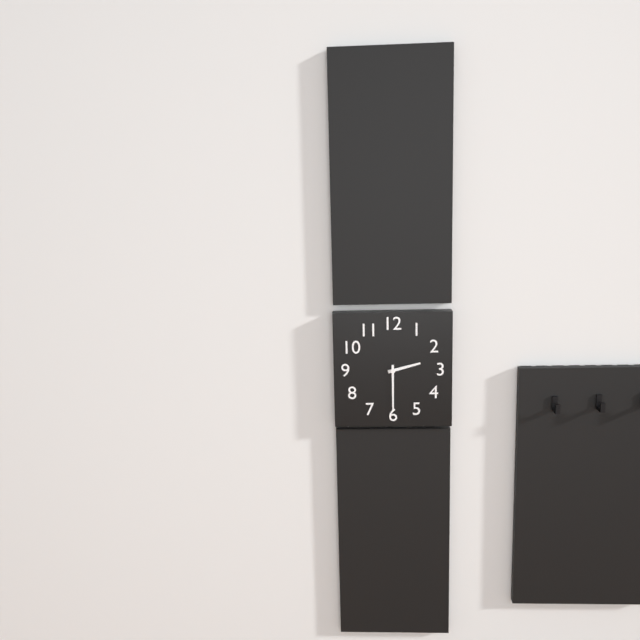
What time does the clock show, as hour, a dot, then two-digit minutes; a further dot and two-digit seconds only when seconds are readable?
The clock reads 2.30
